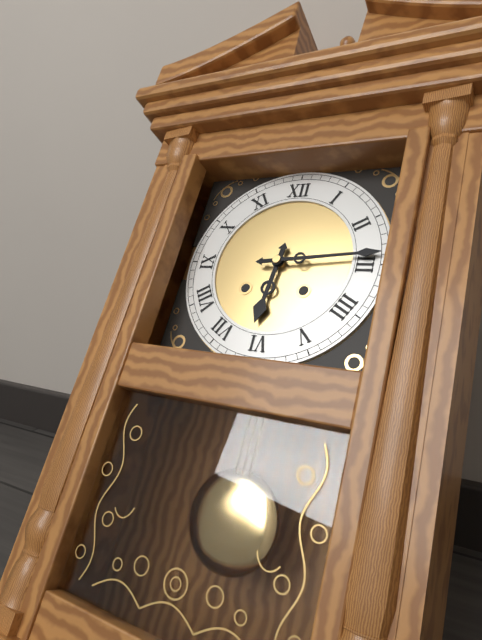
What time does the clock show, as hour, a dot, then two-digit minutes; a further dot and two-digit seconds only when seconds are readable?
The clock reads 6.14
